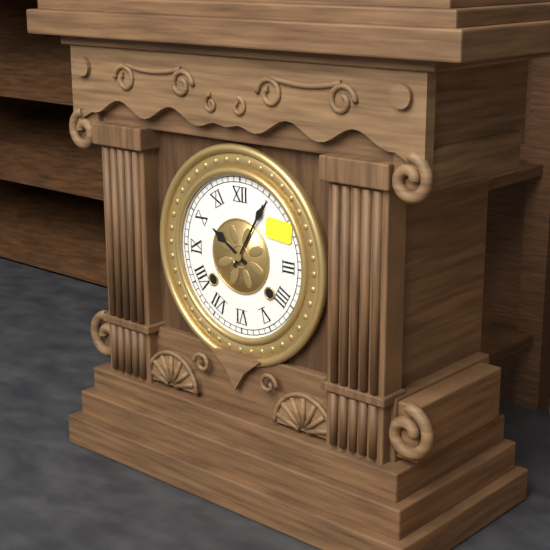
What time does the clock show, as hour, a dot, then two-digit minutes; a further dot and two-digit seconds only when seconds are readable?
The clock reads 10.05
